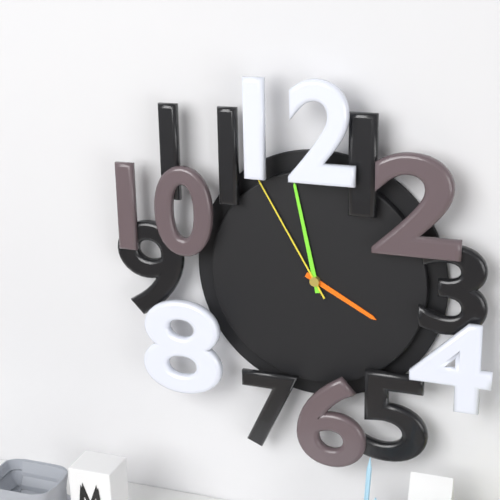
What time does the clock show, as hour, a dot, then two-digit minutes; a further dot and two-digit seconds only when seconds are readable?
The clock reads 3.58.55
